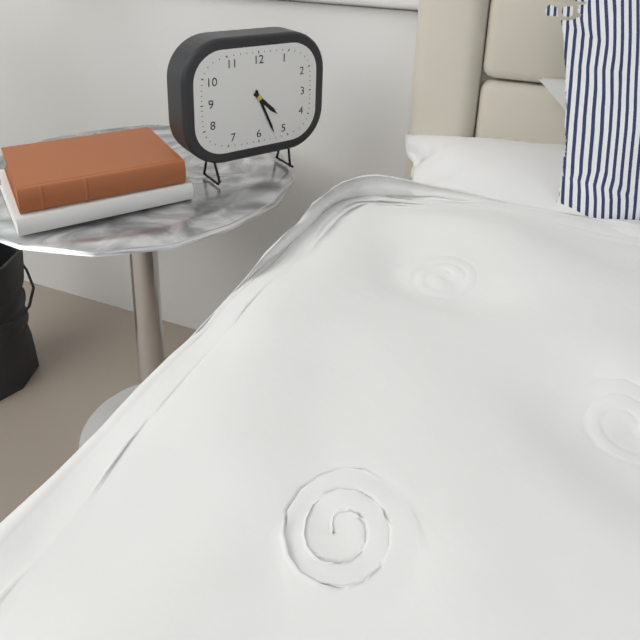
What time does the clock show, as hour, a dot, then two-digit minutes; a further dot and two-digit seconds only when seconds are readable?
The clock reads 4.26
